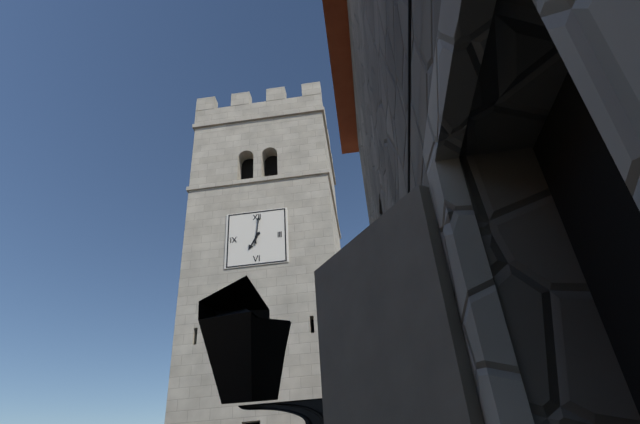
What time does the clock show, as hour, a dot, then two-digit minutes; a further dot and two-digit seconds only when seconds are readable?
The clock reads 7.01
